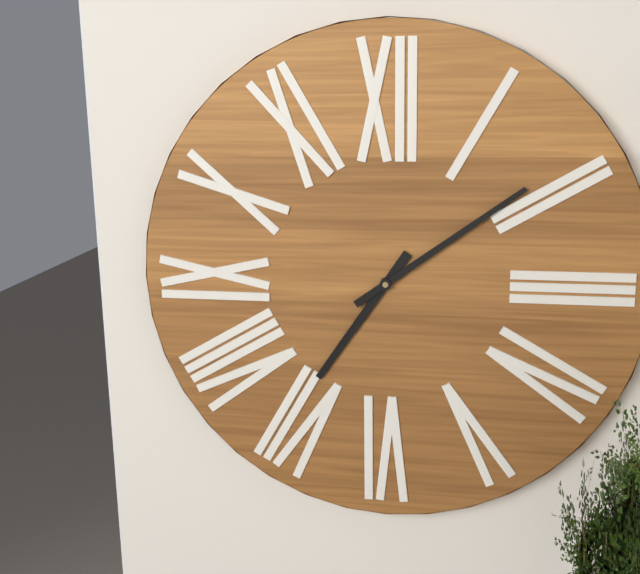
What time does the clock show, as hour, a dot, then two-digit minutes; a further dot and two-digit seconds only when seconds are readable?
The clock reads 7.09
